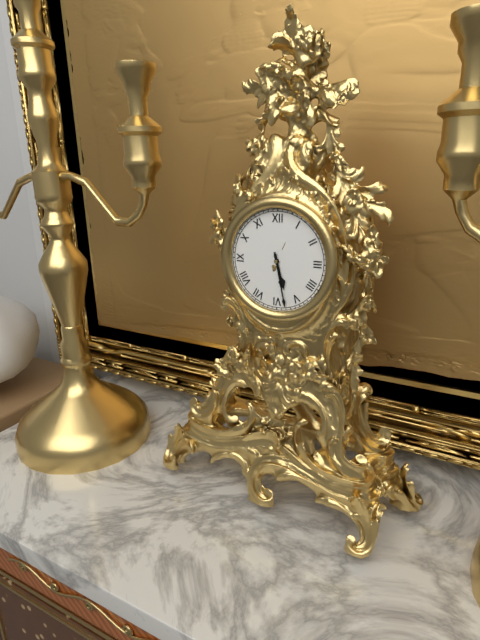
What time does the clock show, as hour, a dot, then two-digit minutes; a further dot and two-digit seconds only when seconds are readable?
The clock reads 5.28
